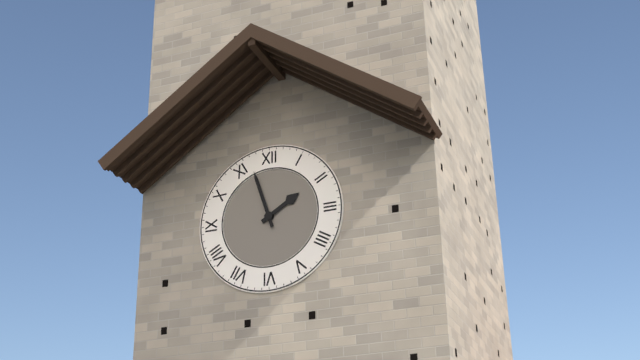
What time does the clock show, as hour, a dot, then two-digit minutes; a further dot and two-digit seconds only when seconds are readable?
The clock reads 1.57
